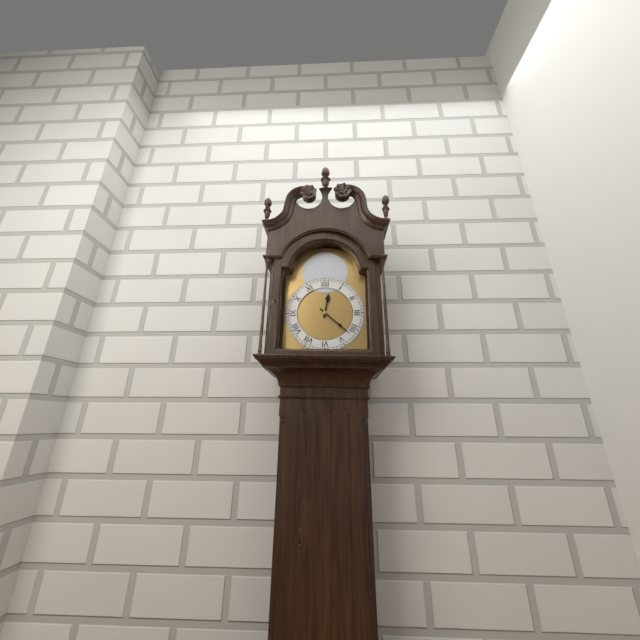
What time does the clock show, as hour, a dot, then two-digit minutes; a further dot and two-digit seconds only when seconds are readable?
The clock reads 12.22
